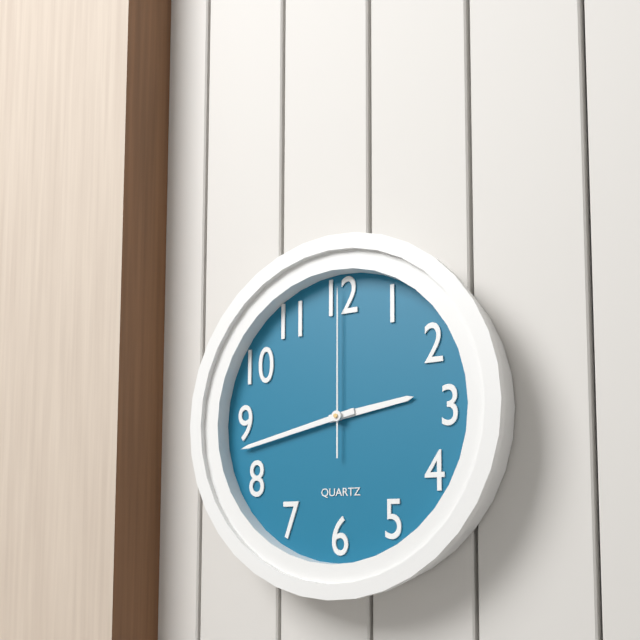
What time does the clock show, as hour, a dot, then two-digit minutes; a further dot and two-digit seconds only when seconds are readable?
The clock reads 2.43.00
